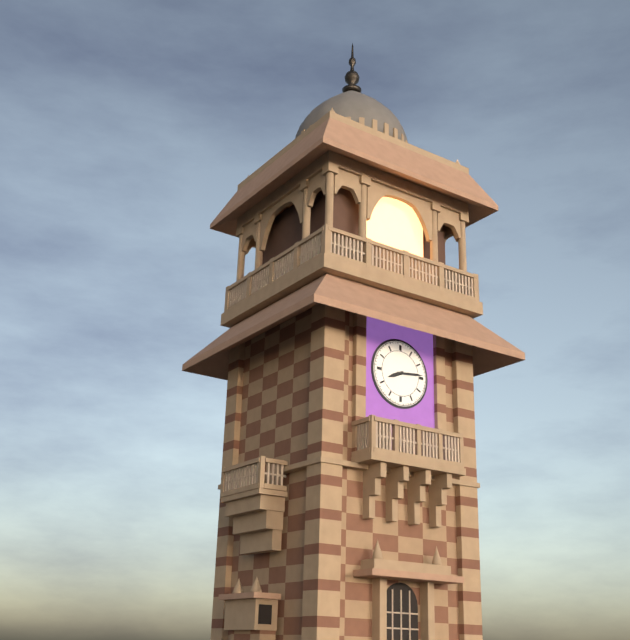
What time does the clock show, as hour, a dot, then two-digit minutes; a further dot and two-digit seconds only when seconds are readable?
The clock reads 8.14
